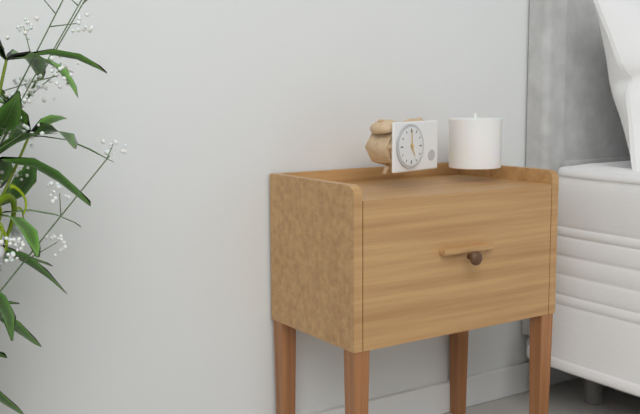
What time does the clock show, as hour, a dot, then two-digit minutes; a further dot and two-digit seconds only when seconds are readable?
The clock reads 5.00
